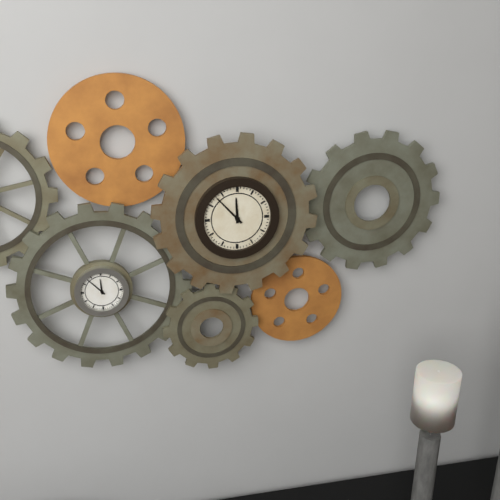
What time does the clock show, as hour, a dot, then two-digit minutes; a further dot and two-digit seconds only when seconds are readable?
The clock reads 11.53
